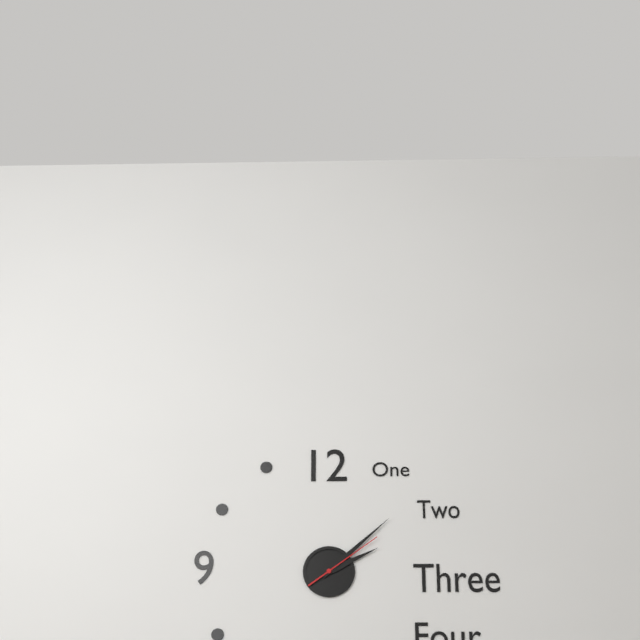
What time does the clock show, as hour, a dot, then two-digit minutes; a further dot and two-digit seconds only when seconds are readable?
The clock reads 2.08.09
